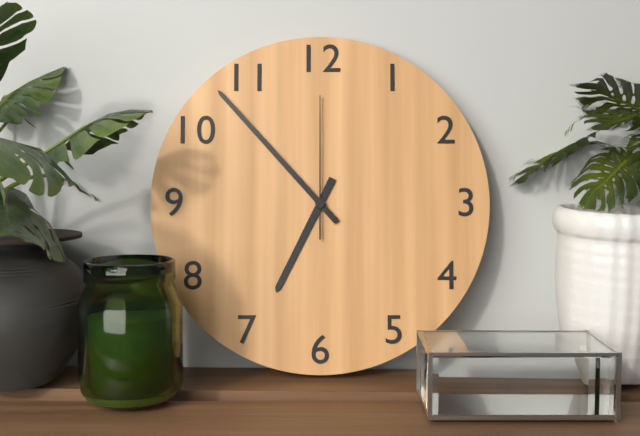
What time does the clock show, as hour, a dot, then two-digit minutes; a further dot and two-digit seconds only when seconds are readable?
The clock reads 6.53.00
